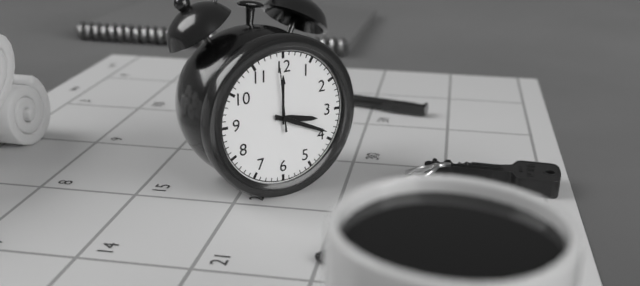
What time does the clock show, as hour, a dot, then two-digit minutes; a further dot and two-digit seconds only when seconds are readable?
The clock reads 3.19.59
